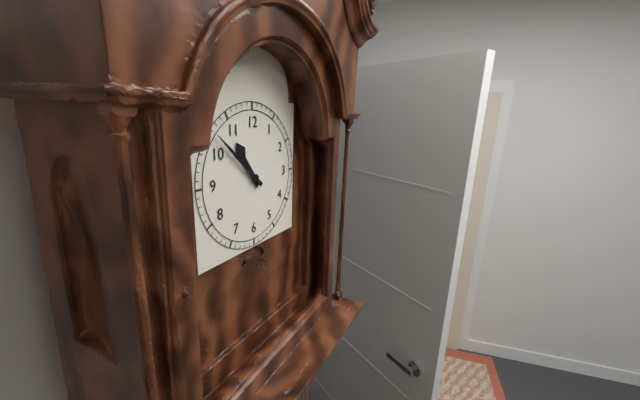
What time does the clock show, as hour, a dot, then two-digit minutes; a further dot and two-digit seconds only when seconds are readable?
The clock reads 10.52
